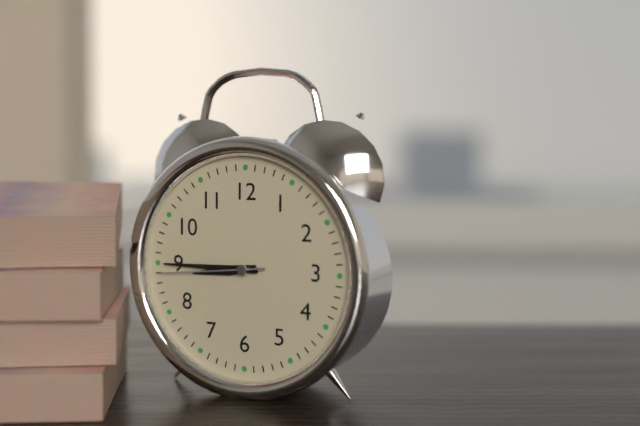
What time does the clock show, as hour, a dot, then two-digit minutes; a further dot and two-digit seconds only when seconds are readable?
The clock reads 8.45.44
